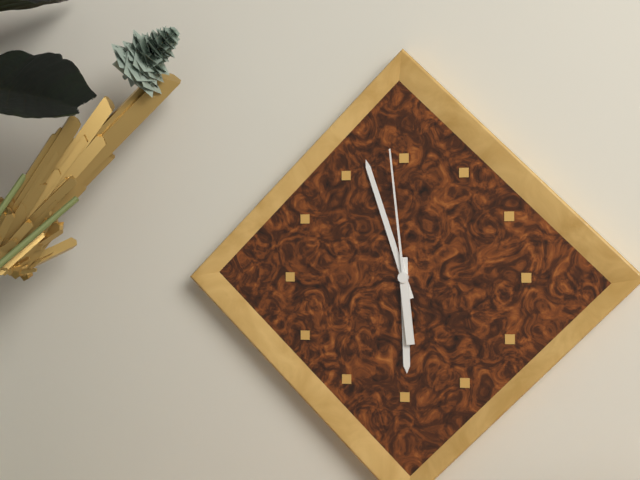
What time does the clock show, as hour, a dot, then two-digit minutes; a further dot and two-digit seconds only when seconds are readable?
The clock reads 5.57.59
